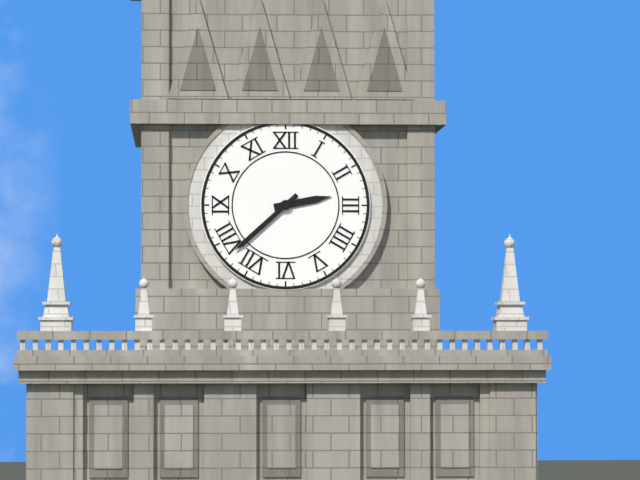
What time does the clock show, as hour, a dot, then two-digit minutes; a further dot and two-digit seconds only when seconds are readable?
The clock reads 2.38
